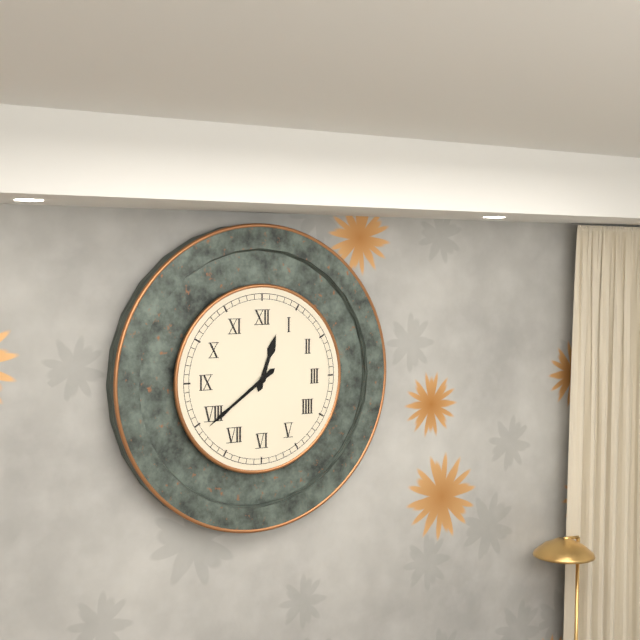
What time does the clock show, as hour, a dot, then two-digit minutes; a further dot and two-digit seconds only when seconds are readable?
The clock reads 12.39
